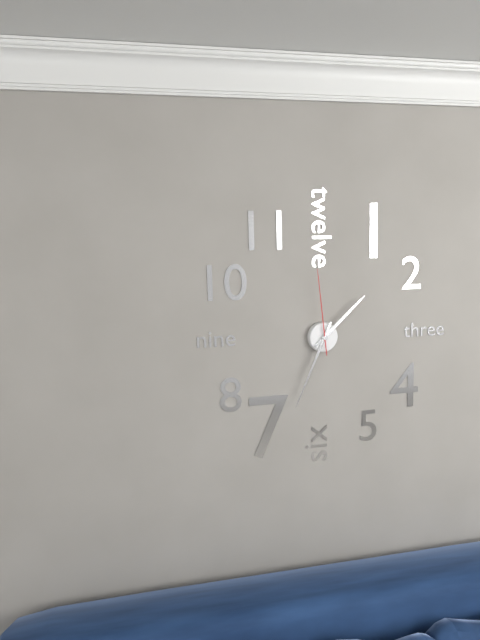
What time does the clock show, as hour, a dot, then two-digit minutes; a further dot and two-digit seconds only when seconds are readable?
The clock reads 1.34.59
